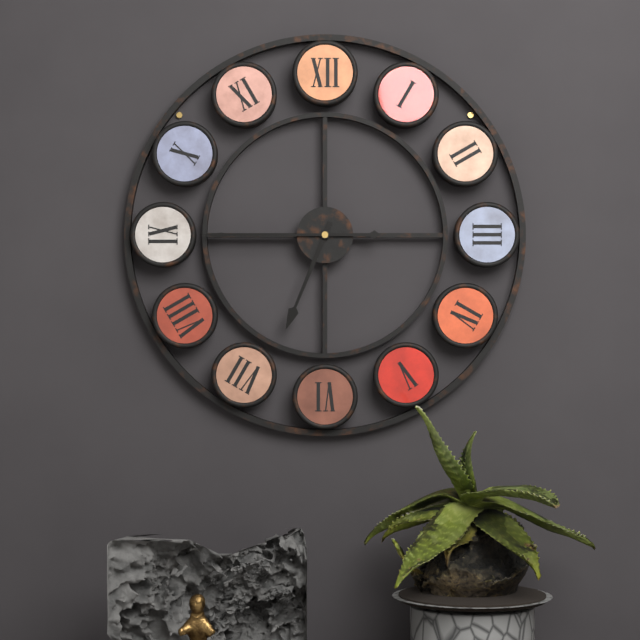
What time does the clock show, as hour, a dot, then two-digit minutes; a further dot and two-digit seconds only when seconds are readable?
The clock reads 6.45
